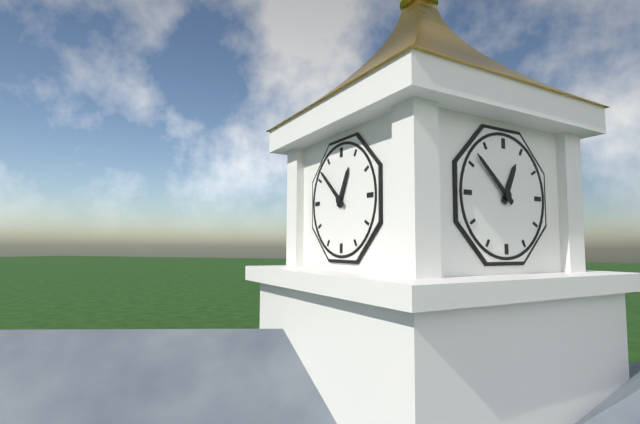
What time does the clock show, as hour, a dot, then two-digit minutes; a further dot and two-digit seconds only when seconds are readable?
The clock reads 12.52
